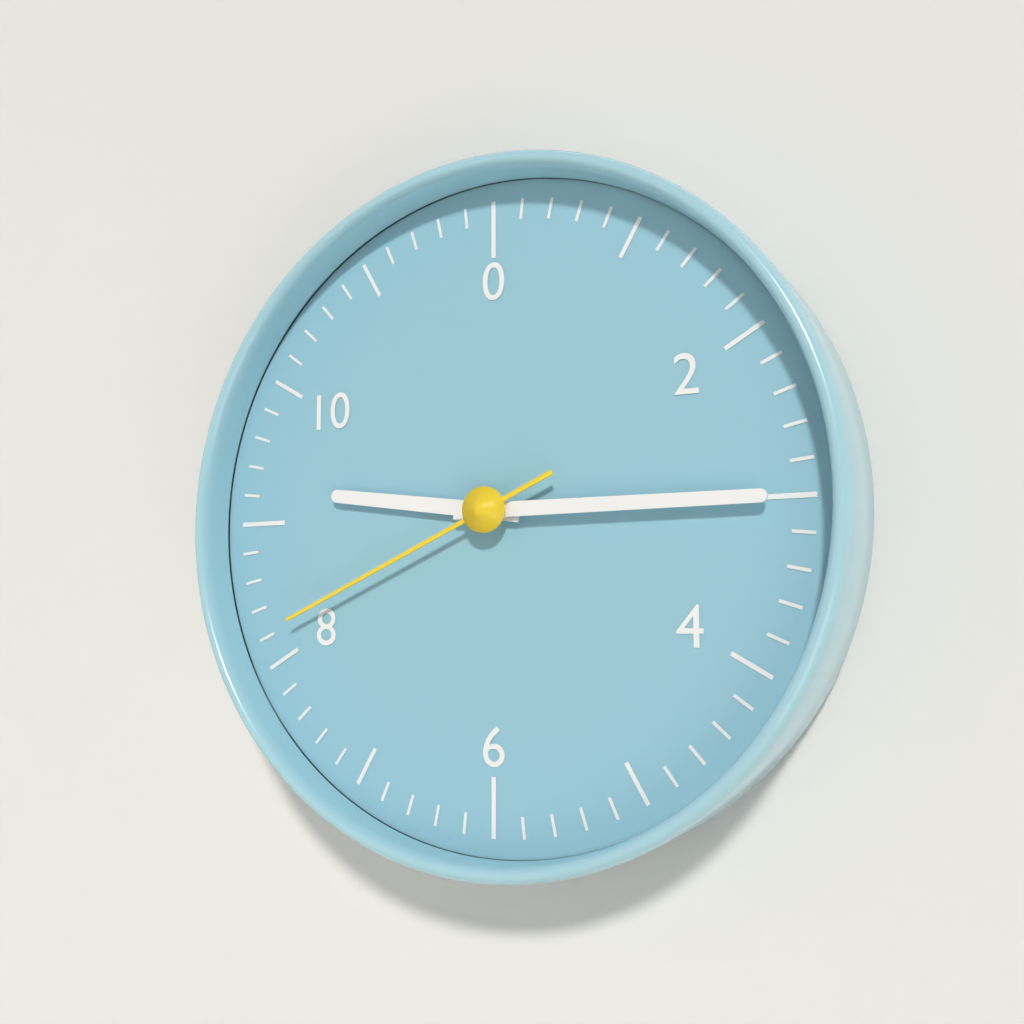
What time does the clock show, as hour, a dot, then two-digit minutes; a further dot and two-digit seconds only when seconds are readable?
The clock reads 9.15.41
